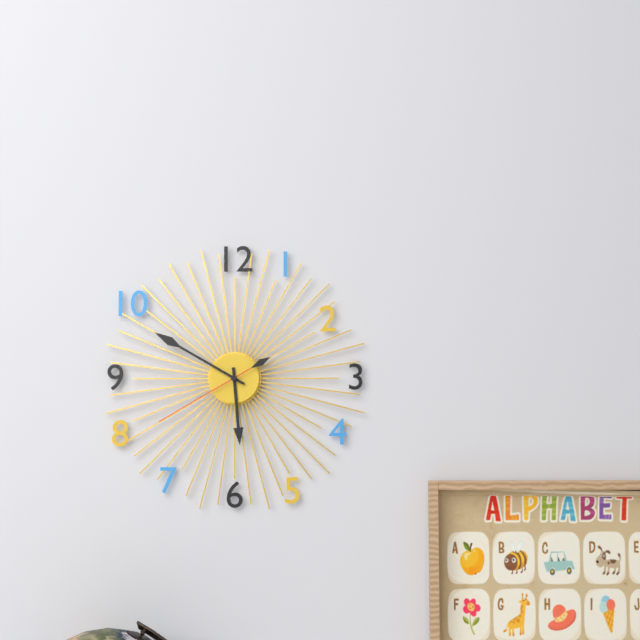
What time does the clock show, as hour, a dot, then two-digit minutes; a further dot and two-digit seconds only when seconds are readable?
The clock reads 5.50.40
